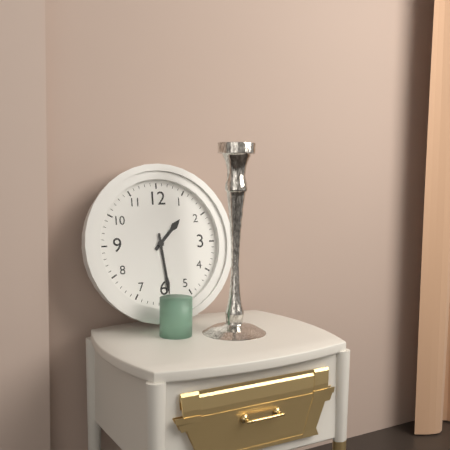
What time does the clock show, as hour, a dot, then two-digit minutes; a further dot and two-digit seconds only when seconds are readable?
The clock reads 1.29
